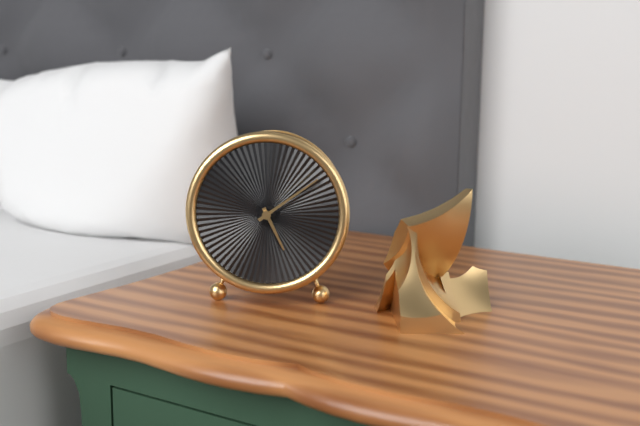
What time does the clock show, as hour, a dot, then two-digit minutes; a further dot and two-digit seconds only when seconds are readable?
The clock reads 5.09
